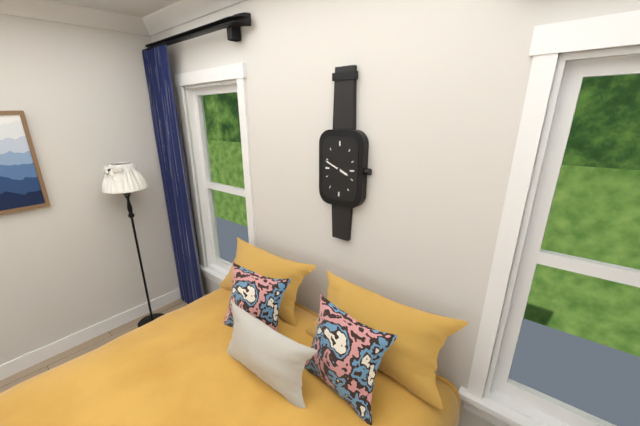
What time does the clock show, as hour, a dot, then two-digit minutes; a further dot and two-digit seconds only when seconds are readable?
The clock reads 3.49
